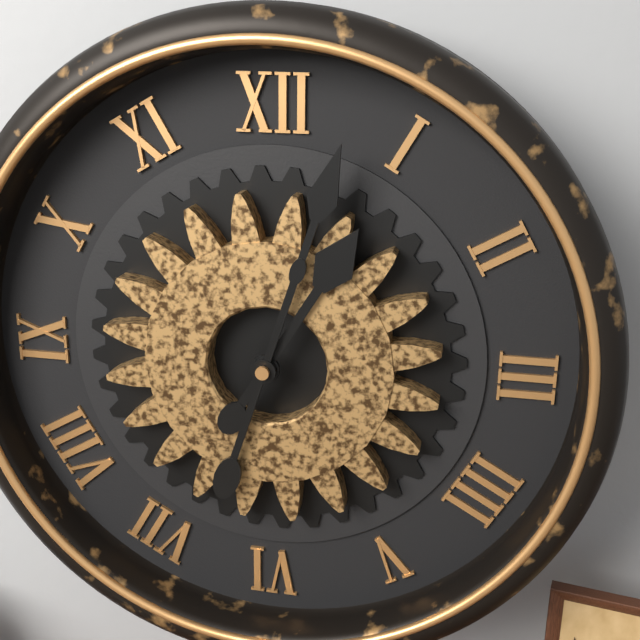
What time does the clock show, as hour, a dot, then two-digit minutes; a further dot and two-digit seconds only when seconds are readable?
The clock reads 1.03
